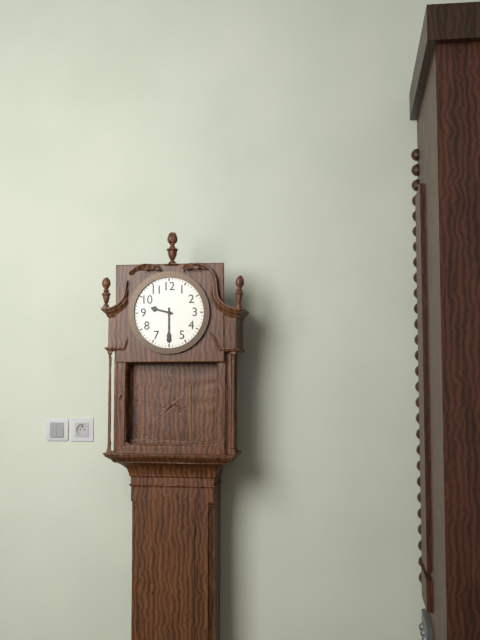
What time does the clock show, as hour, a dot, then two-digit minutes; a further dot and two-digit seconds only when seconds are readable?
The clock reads 9.30
